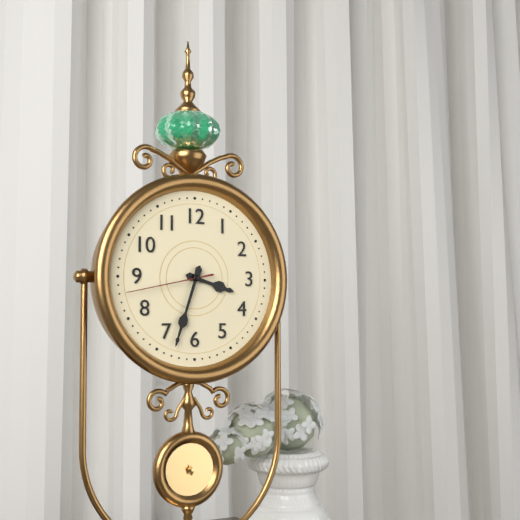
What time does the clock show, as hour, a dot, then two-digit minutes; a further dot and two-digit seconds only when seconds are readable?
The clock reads 3.33.43
